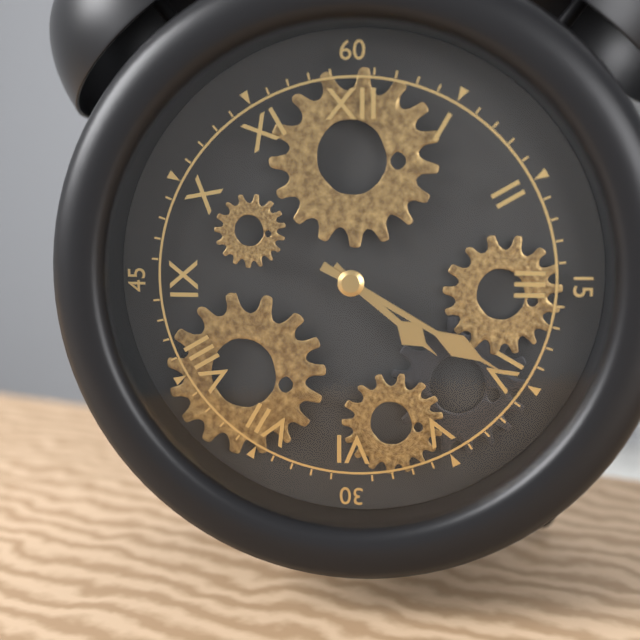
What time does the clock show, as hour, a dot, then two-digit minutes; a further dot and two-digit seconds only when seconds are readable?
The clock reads 4.20
